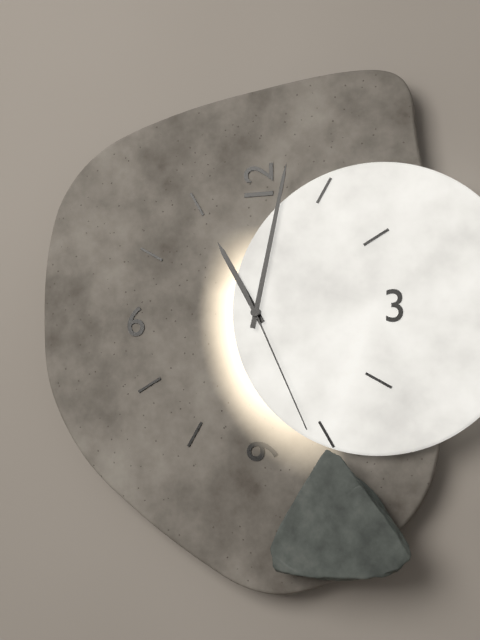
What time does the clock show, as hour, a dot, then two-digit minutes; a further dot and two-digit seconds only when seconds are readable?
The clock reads 11.02.26
